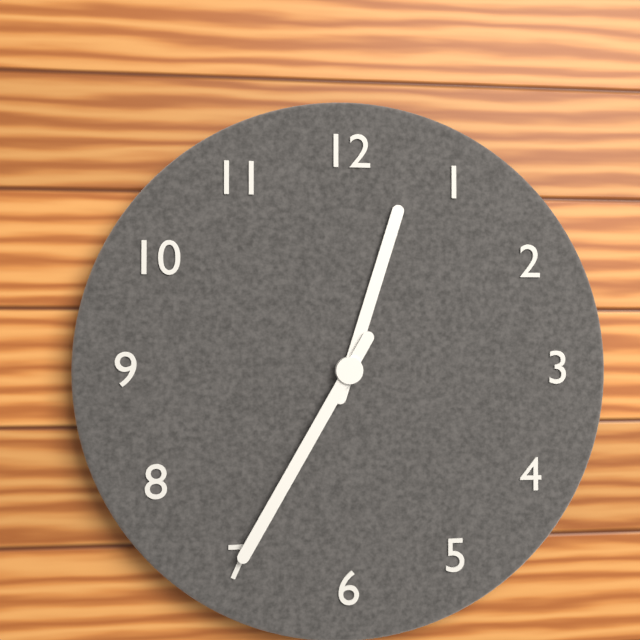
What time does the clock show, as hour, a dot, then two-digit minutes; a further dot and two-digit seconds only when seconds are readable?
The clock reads 12.35
